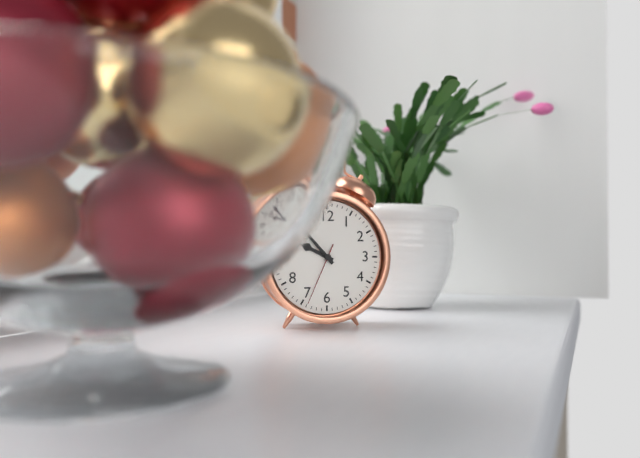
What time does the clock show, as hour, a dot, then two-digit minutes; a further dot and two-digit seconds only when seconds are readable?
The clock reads 9.53.34
